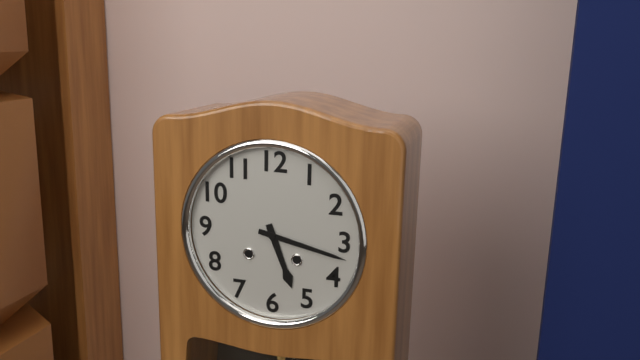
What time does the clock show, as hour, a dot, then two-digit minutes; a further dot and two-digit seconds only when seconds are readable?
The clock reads 5.17
